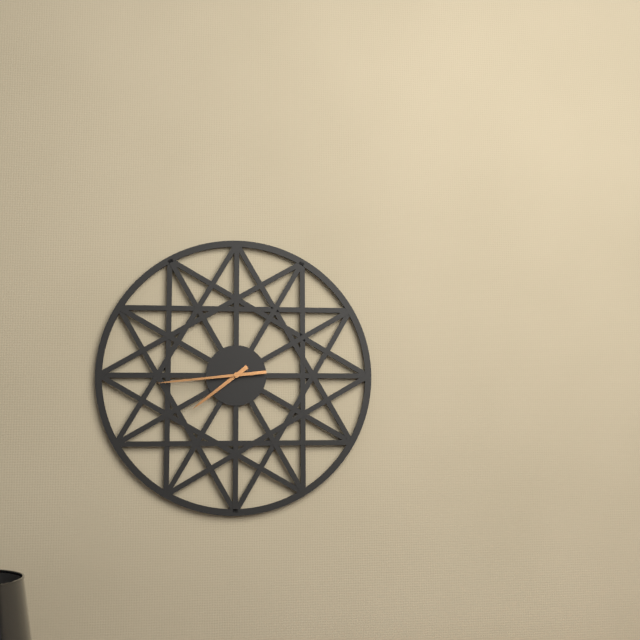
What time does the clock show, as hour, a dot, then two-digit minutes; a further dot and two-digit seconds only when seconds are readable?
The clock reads 7.44
